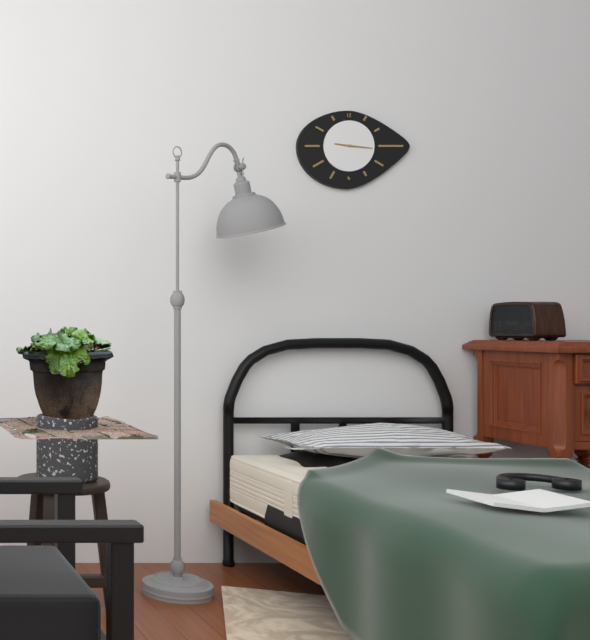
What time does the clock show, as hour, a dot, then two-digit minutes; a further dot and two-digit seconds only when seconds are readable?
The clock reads 9.16
